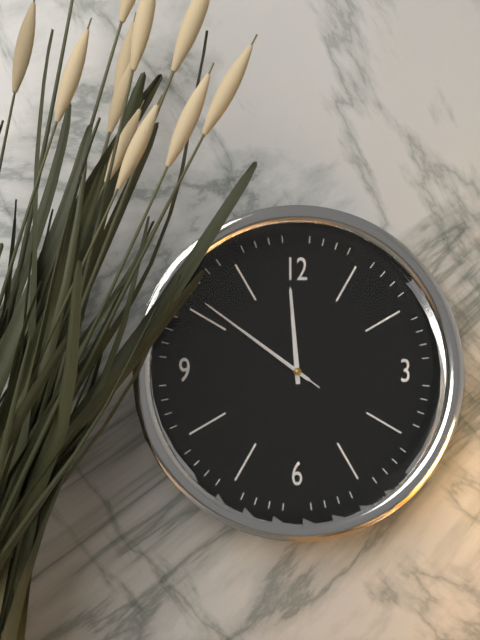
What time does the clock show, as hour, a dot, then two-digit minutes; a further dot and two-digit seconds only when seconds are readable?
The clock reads 11.51.51
